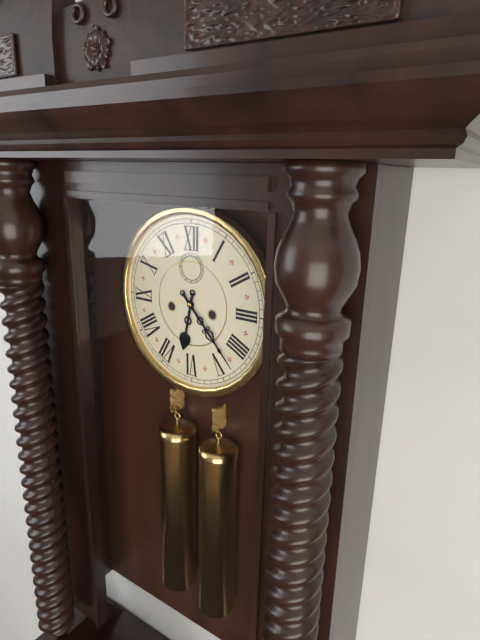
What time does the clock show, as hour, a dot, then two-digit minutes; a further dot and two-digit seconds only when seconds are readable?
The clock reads 6.23
